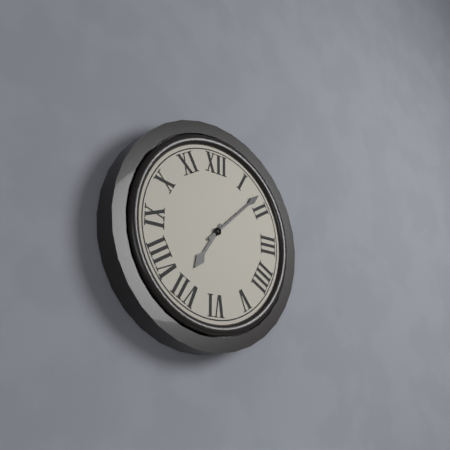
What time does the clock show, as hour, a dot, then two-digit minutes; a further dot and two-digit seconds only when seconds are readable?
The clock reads 7.08
